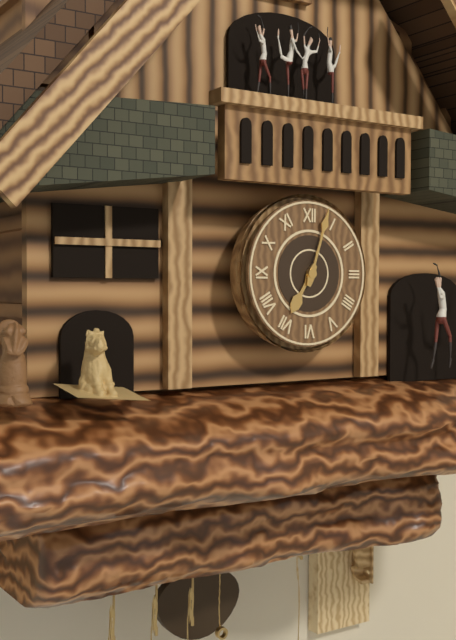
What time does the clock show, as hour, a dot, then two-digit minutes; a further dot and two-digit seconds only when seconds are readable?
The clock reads 7.03
